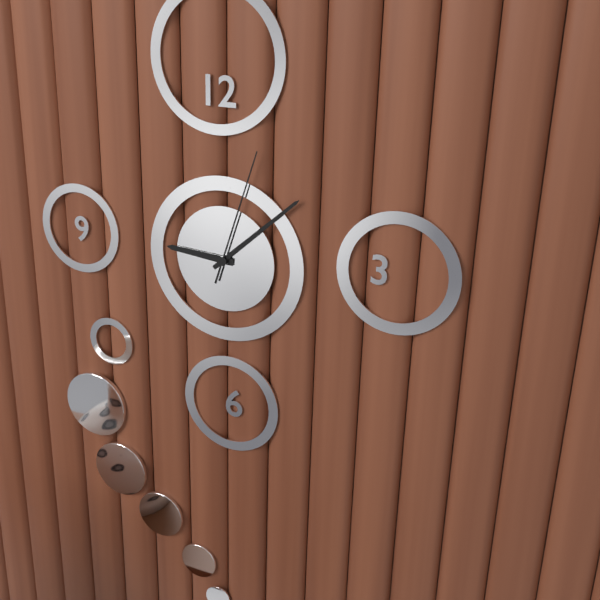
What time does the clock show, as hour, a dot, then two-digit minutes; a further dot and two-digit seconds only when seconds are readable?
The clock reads 9.08.03
